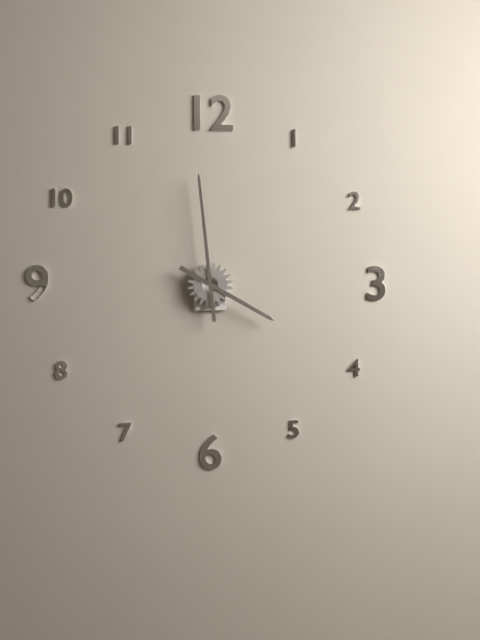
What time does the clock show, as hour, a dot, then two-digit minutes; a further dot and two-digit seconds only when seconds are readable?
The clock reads 3.59
